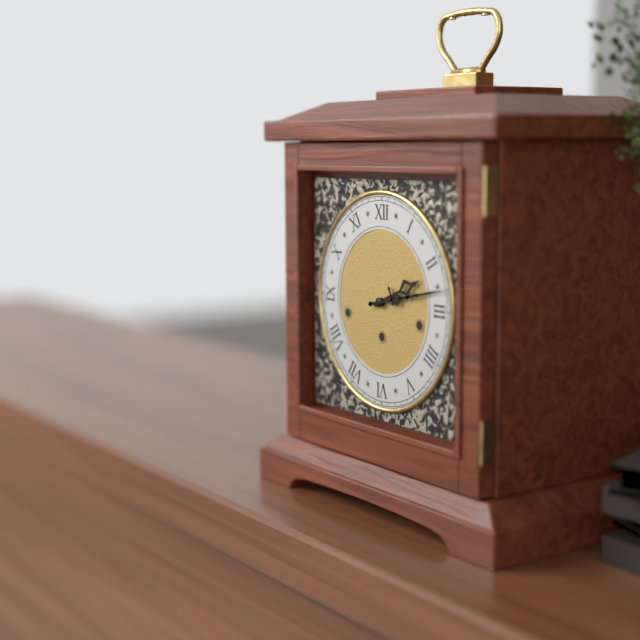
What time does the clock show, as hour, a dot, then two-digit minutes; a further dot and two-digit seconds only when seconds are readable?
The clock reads 2.13
